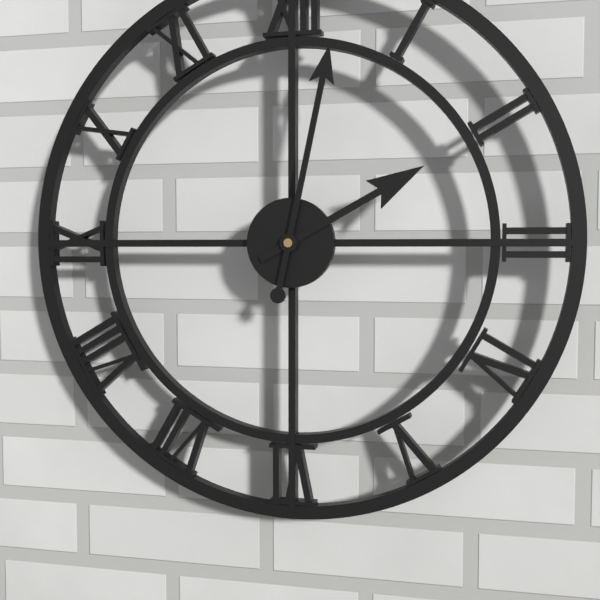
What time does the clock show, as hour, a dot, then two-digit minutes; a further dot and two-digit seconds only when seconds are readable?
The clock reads 2.02
